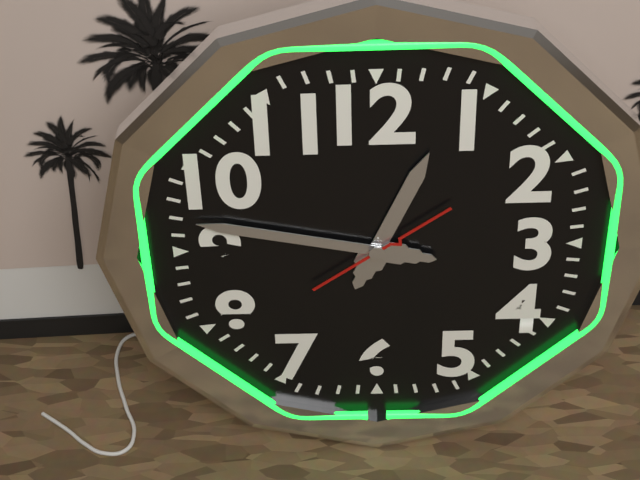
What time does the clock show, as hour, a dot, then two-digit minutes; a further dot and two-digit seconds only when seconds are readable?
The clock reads 12.47.09
